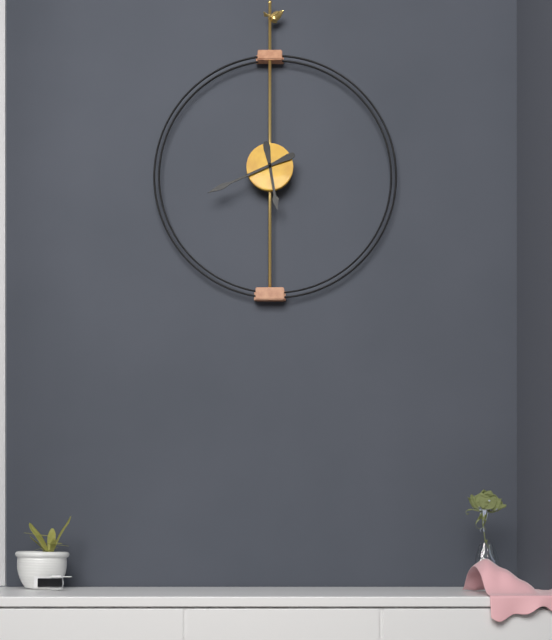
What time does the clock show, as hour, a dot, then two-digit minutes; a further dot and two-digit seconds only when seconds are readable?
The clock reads 5.41
